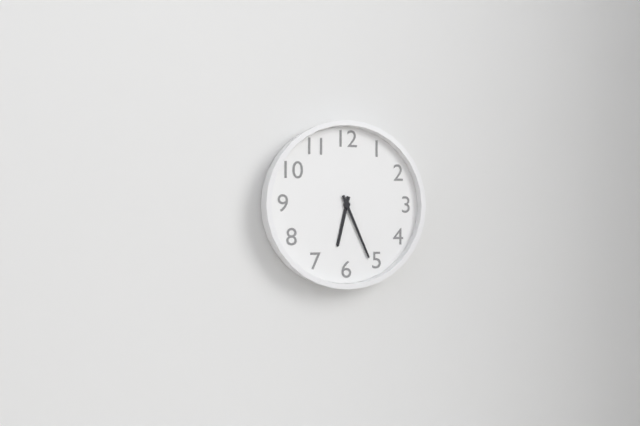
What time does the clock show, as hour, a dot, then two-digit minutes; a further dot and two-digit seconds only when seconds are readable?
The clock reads 6.26
